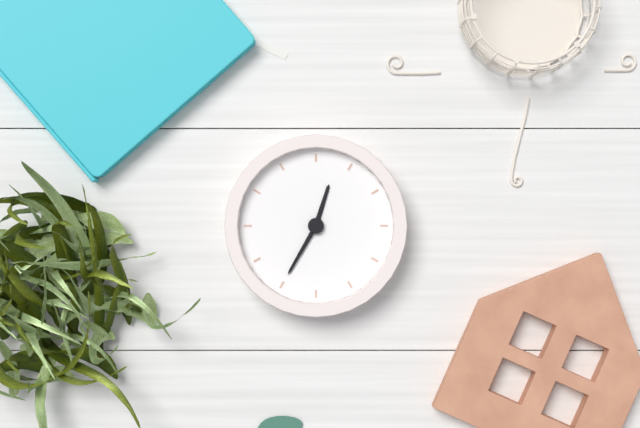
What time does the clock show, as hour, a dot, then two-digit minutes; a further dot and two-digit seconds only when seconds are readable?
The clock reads 12.35
